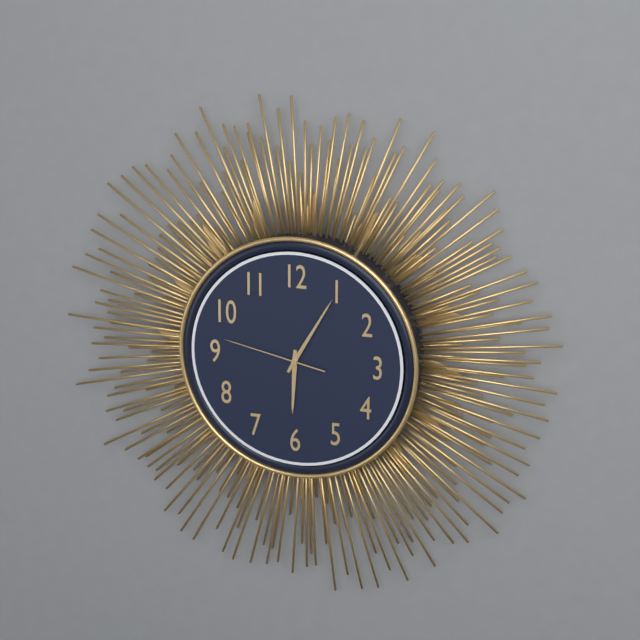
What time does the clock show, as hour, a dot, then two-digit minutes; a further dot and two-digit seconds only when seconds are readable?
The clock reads 6.05.47
